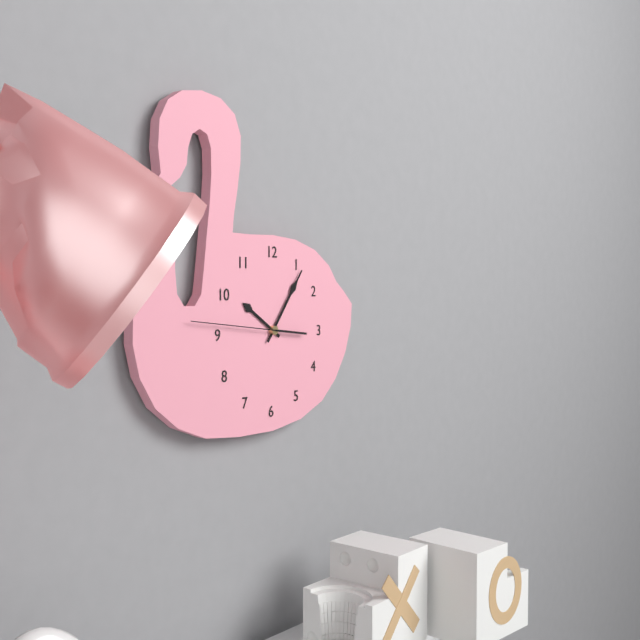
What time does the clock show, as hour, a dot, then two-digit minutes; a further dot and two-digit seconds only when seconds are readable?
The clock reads 10.06.46
